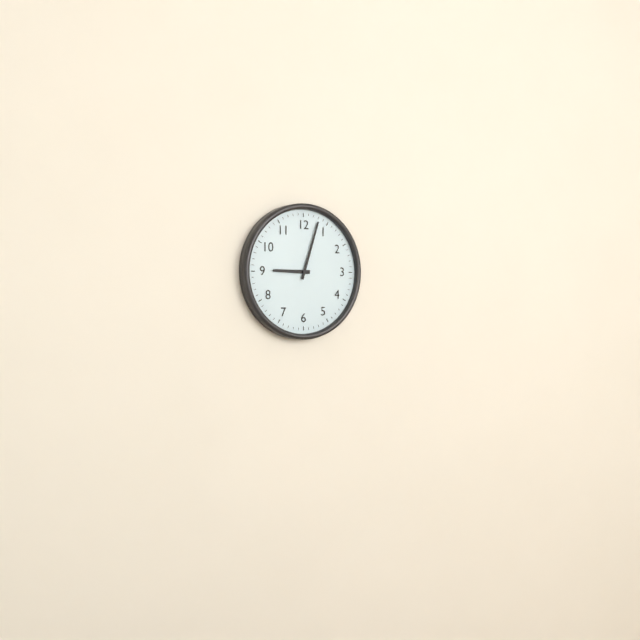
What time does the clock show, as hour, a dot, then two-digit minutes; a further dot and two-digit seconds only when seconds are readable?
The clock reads 9.03
